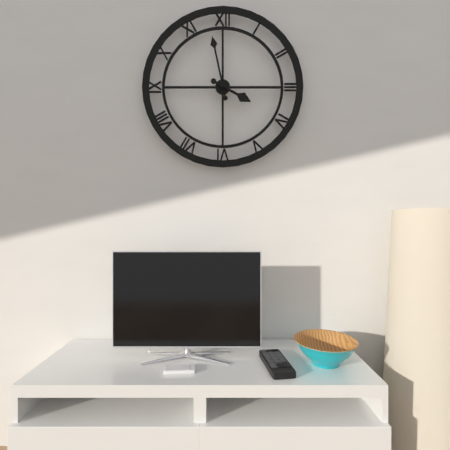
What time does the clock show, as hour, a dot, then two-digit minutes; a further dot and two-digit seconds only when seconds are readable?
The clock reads 3.58
